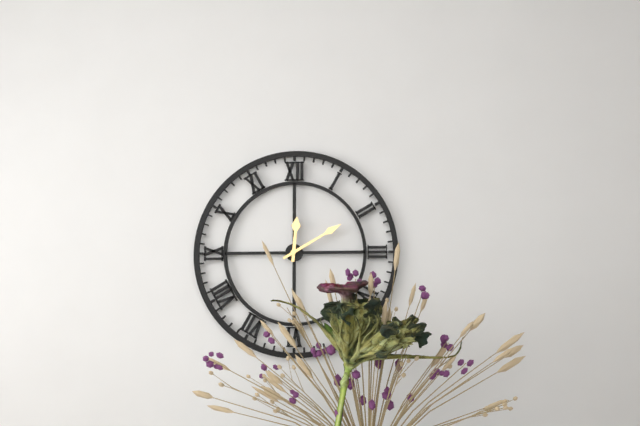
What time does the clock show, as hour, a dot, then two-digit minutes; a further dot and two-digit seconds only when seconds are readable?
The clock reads 12.10
